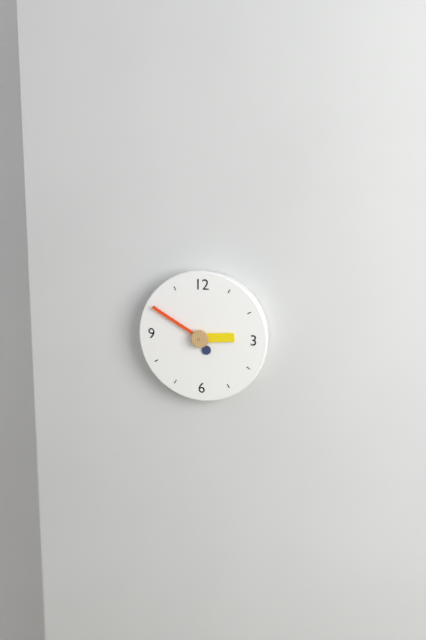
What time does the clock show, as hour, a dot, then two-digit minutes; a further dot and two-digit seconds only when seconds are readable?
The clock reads 2.50
